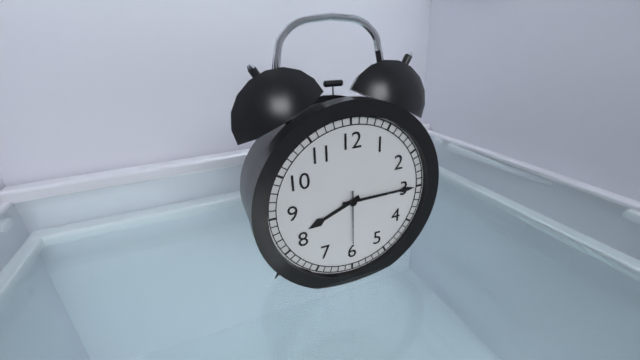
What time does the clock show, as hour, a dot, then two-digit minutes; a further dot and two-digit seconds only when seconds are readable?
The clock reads 8.15.30
